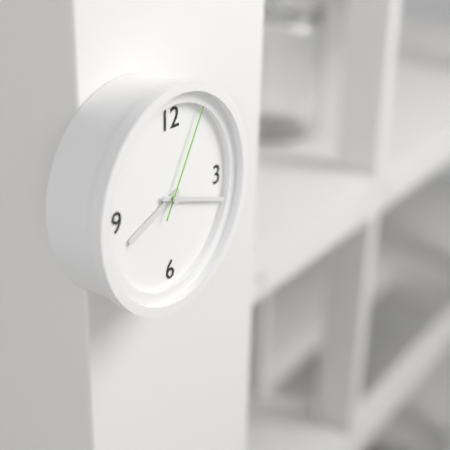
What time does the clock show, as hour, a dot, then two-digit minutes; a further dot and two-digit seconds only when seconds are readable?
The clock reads 8.18.05
